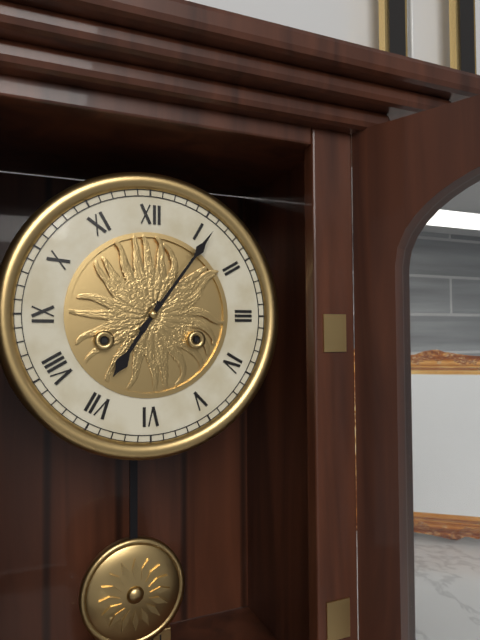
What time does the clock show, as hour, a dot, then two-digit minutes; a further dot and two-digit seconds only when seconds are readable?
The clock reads 7.06
